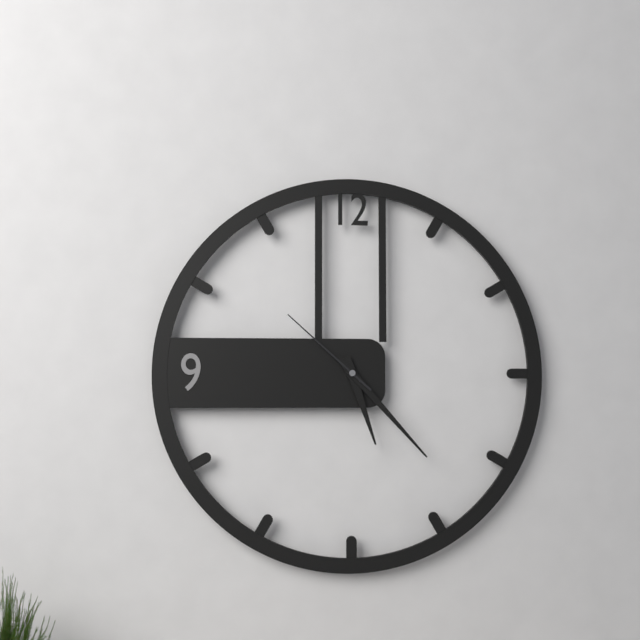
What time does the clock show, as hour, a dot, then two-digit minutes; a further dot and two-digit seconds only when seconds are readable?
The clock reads 5.23.52
